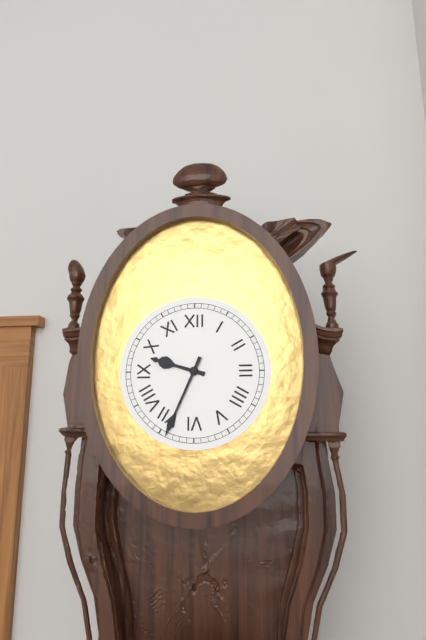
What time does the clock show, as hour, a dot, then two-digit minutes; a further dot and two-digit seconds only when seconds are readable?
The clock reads 9.34
